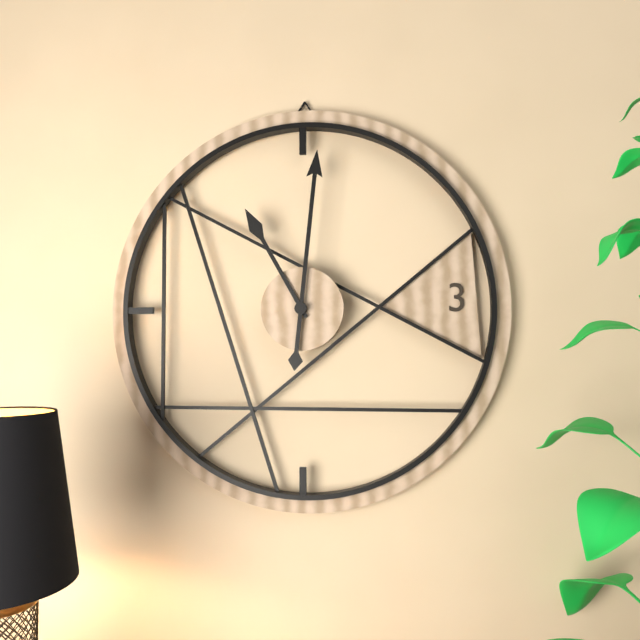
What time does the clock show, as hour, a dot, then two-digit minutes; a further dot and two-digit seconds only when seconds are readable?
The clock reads 11.01
